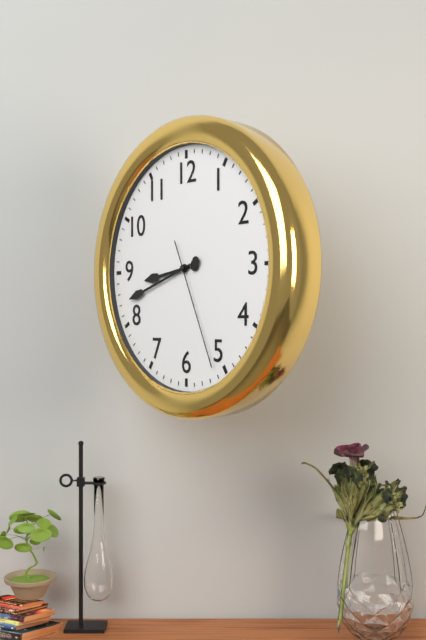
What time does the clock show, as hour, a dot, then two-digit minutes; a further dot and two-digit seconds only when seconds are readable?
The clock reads 8.42.26
